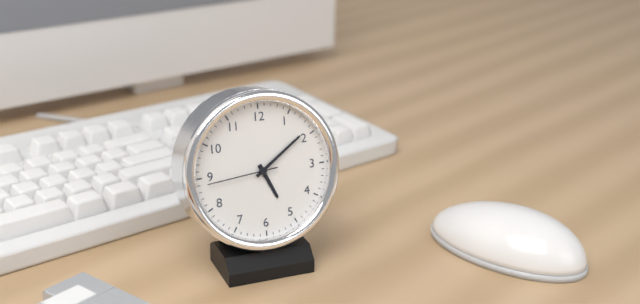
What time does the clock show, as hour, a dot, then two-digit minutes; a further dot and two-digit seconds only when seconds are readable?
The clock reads 5.09.44
